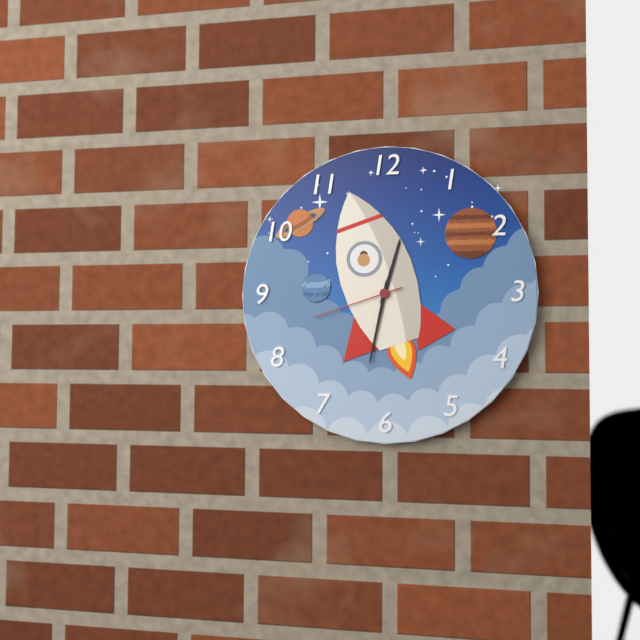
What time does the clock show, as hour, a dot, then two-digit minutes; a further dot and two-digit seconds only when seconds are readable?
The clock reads 12.32.42
